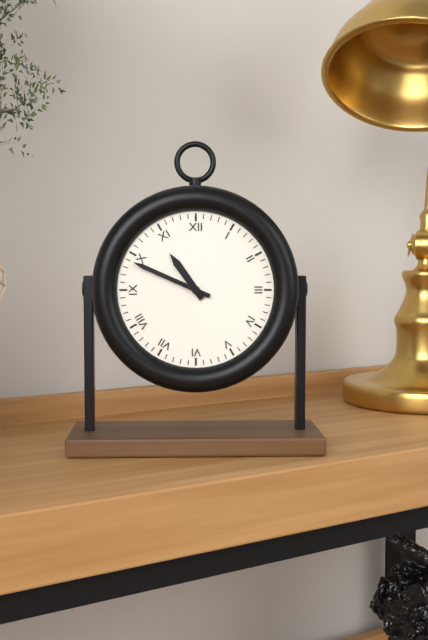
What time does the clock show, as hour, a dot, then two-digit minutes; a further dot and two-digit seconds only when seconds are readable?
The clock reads 10.49
